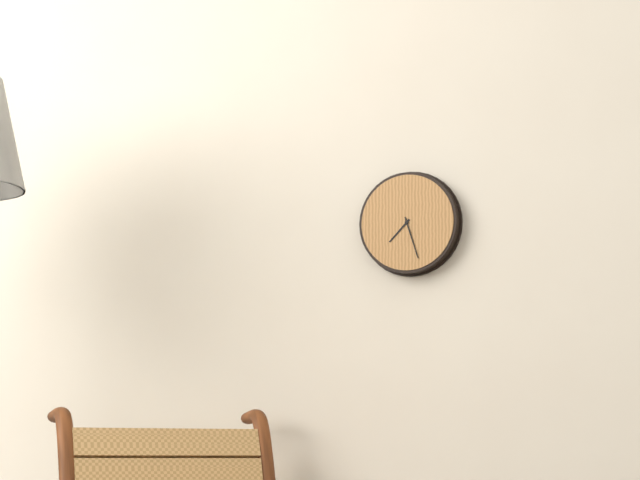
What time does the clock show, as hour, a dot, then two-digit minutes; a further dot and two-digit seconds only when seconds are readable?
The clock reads 7.27
